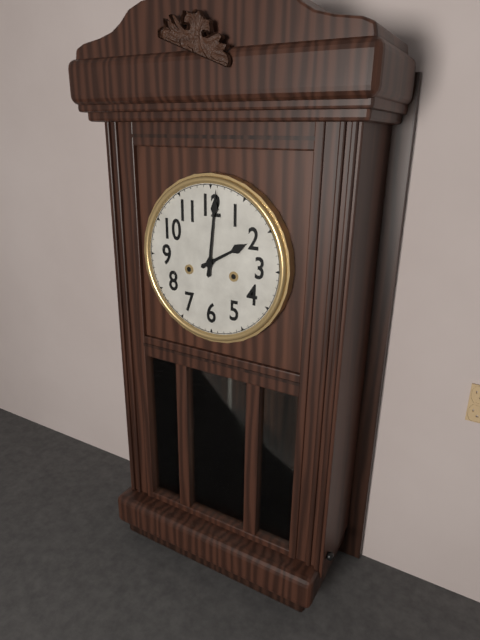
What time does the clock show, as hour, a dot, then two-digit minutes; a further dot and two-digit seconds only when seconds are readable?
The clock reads 2.01
